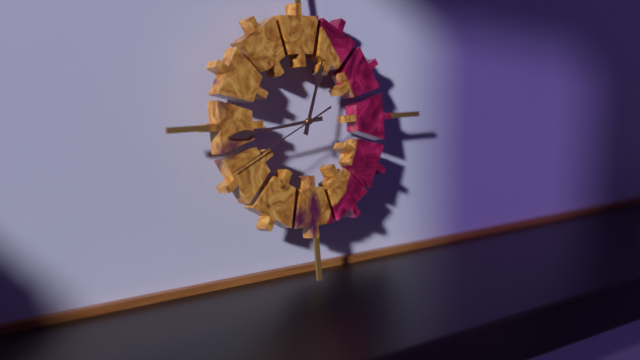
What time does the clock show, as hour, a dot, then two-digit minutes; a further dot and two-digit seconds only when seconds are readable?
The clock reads 12.44.41
